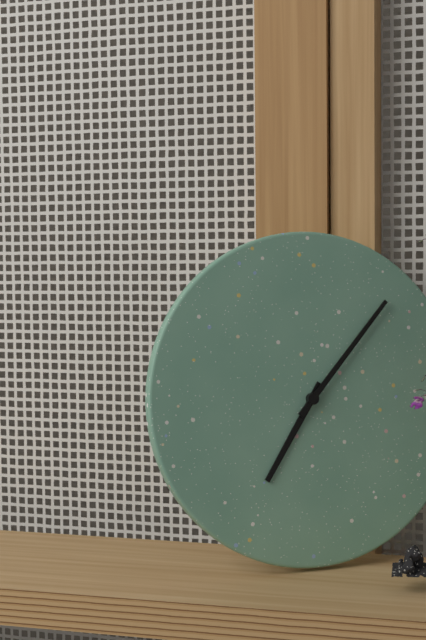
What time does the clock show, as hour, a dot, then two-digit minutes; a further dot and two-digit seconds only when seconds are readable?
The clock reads 7.07
